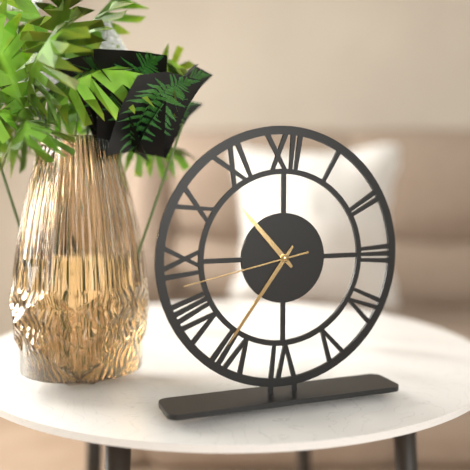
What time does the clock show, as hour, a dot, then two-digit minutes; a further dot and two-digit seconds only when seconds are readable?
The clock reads 10.36.43
